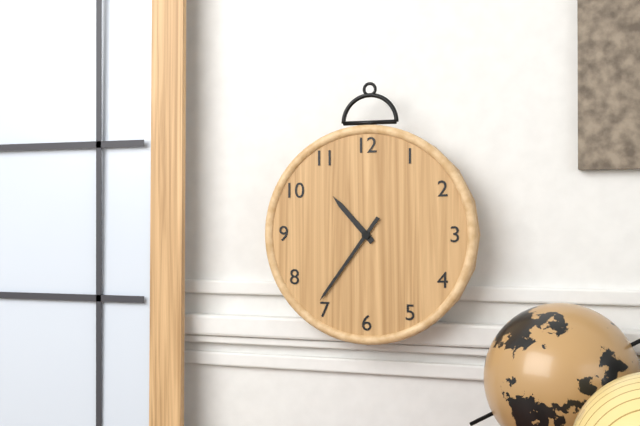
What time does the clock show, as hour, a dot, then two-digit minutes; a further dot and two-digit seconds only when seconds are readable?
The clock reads 10.36
